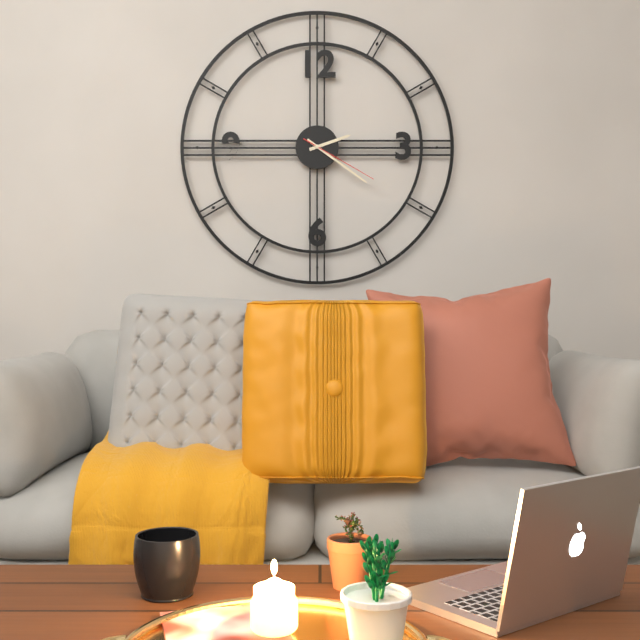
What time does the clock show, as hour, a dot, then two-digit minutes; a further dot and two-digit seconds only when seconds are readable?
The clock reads 2.21.20
